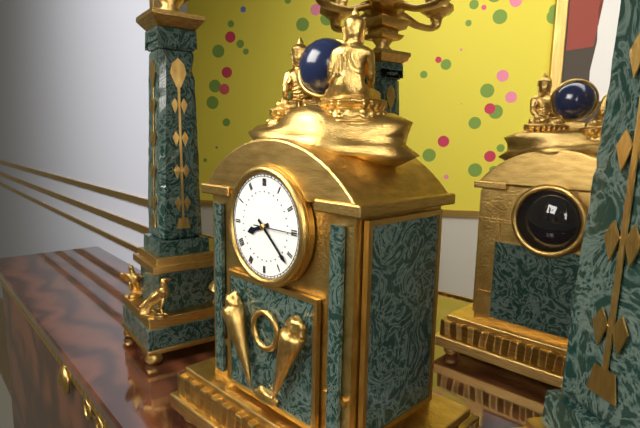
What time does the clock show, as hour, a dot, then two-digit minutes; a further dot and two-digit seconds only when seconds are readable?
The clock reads 8.22
